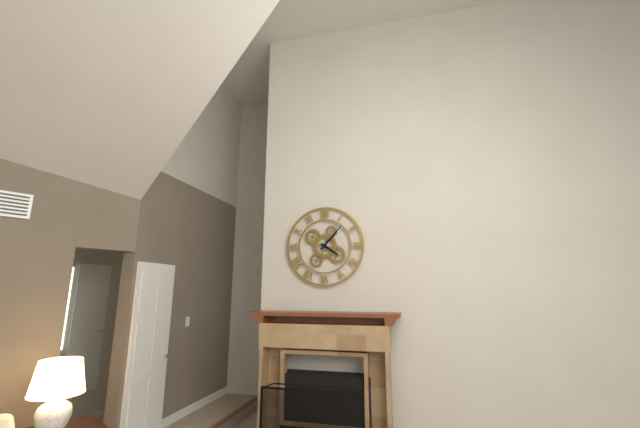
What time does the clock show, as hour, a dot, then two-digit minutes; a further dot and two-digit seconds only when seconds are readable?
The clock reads 4.07
